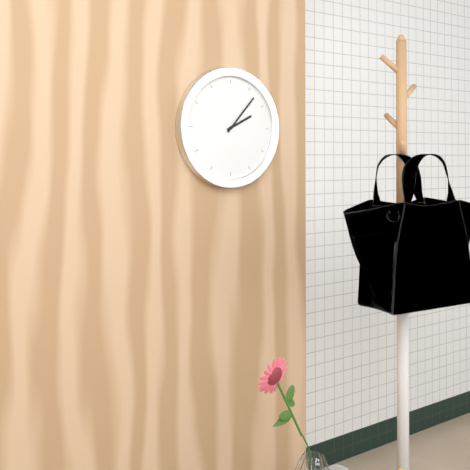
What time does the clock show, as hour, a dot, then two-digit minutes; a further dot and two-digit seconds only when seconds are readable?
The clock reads 2.07
